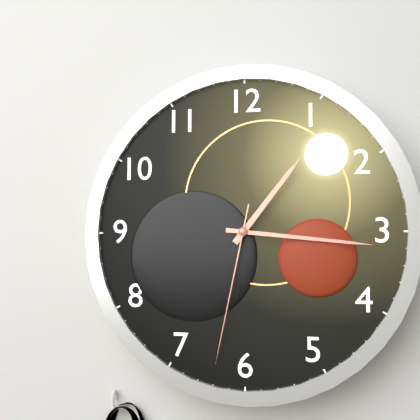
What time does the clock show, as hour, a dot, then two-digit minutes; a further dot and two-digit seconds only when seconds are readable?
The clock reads 1.16.32
